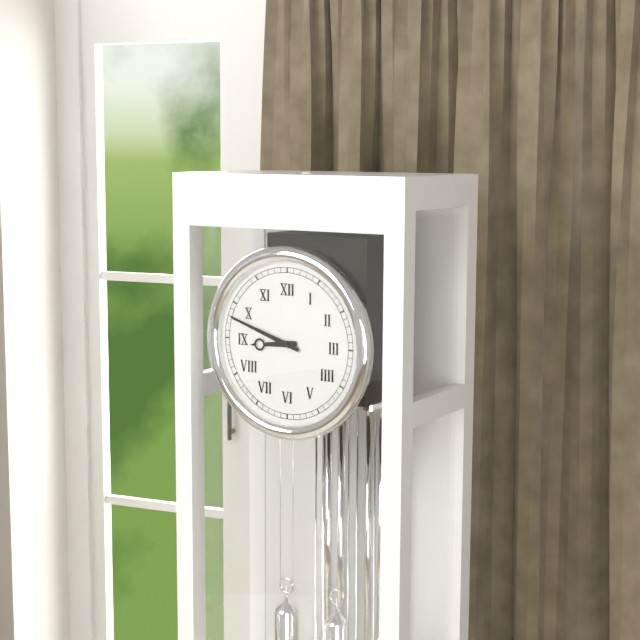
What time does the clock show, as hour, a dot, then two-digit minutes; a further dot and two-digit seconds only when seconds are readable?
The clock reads 8.48
